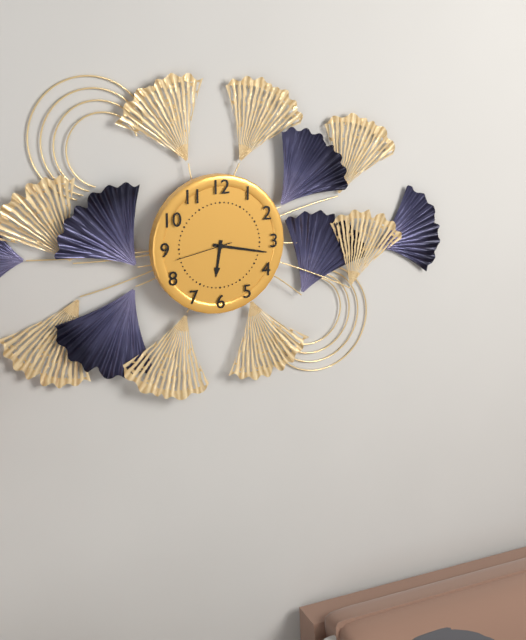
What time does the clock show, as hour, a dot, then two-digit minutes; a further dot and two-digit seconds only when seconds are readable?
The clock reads 6.17.43
